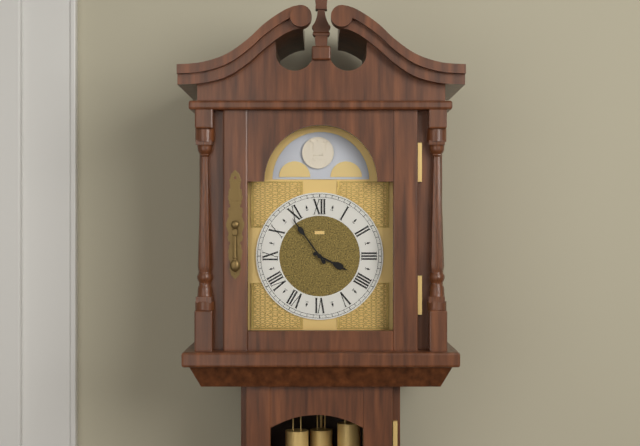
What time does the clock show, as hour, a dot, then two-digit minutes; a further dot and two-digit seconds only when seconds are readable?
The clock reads 3.54
